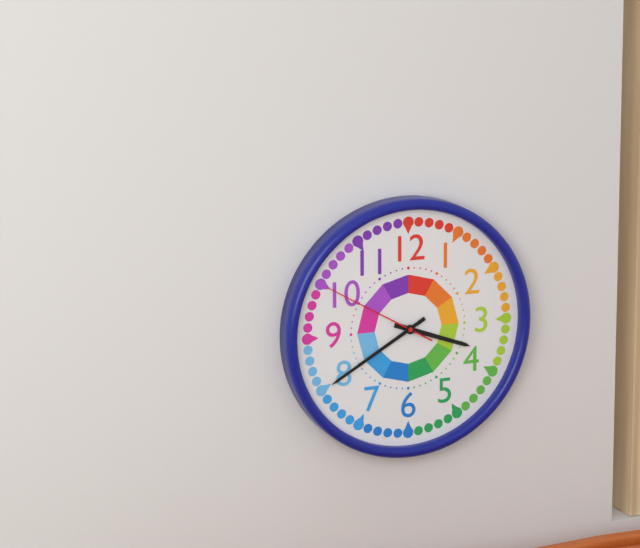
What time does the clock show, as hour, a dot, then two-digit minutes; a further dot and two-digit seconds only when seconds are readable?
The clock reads 3.40.50
